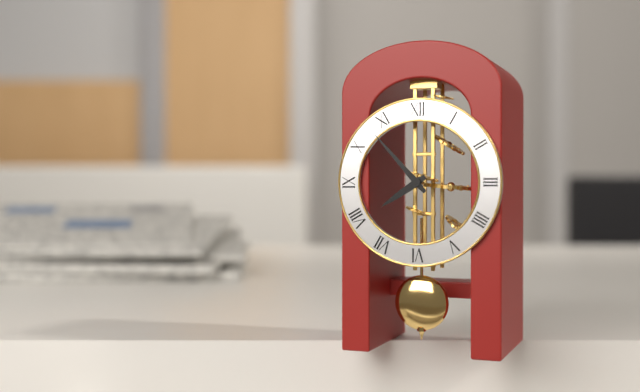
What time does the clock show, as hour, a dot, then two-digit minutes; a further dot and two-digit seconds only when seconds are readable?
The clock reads 7.53
